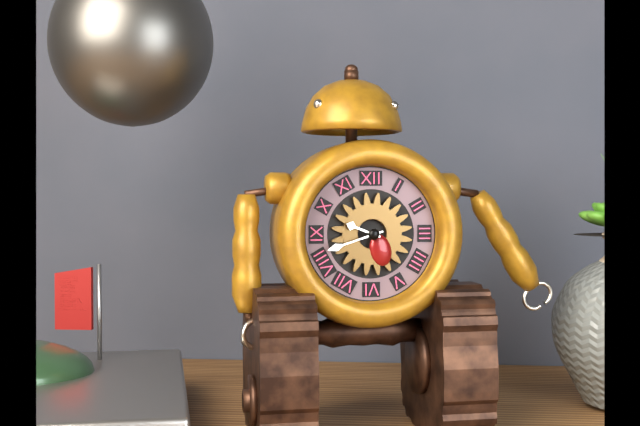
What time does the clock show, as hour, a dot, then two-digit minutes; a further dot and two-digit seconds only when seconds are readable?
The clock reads 9.42
